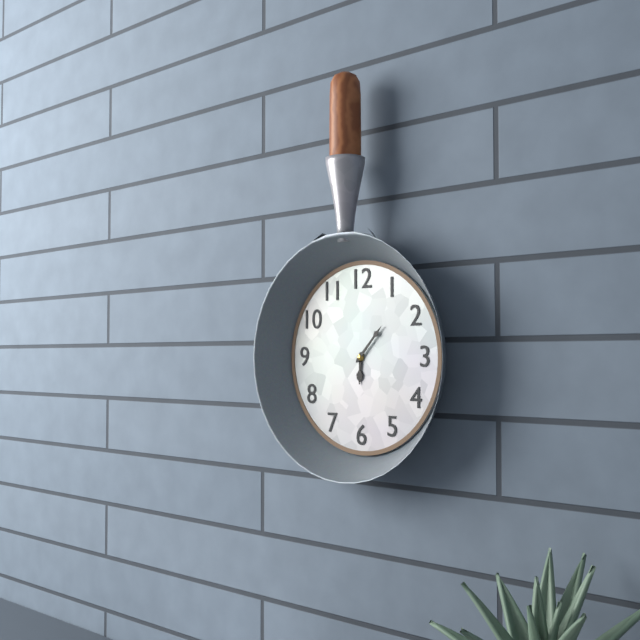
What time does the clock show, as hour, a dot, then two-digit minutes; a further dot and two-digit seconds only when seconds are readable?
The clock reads 6.07
